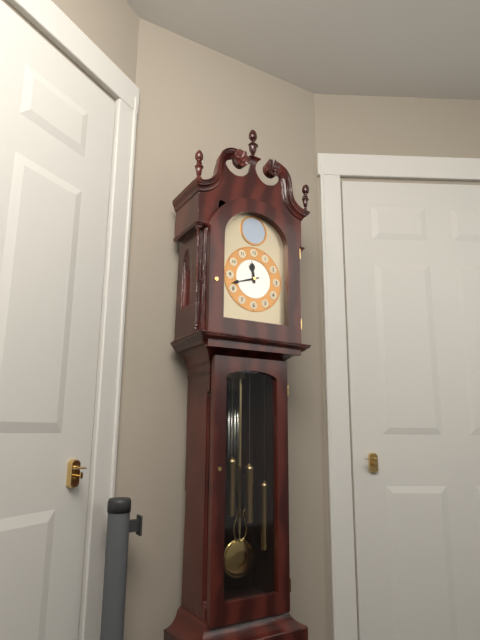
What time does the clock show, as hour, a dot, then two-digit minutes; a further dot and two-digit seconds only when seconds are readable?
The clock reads 11.42
